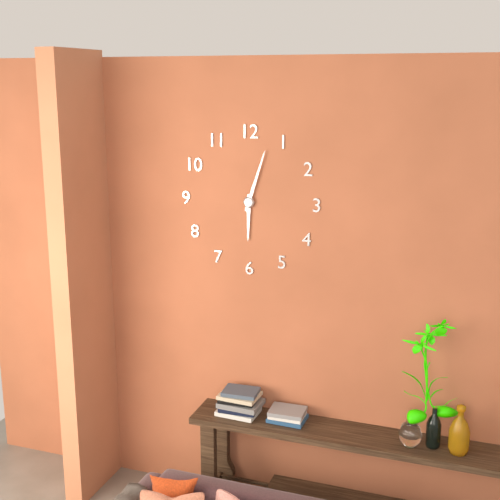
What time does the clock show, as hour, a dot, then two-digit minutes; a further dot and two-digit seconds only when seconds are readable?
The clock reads 6.03
